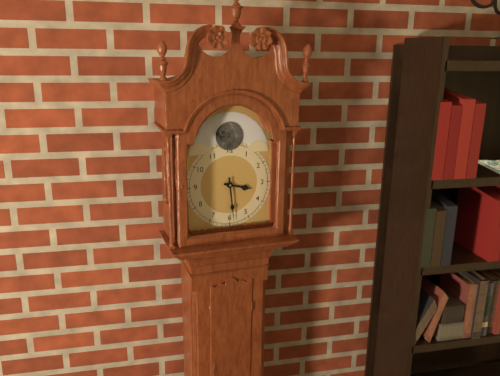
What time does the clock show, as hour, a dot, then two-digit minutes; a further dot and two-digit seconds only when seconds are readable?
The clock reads 3.29
